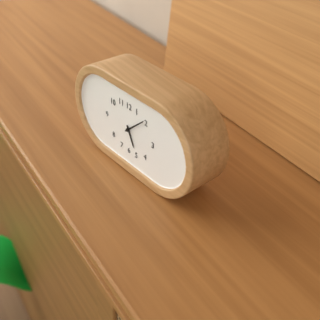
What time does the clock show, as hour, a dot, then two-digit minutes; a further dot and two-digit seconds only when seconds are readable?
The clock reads 5.08
